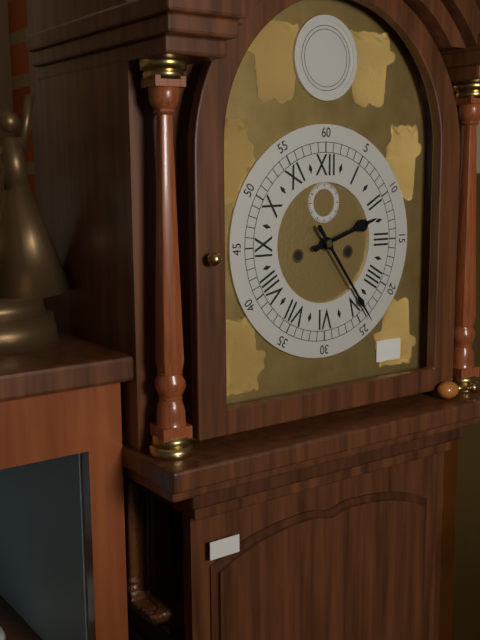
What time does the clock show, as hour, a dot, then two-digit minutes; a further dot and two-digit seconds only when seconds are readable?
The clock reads 2.24
